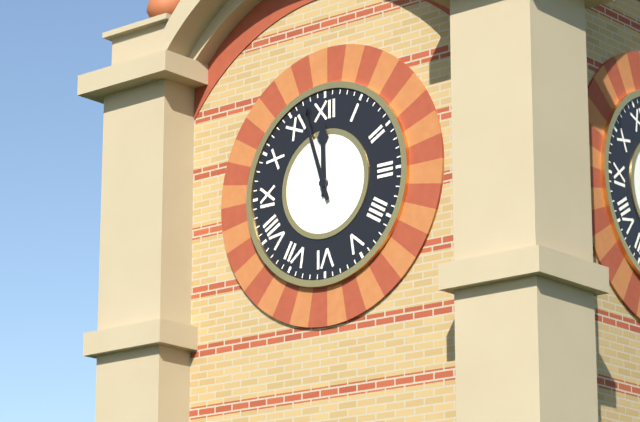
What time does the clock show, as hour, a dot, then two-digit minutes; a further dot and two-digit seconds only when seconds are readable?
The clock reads 11.57
